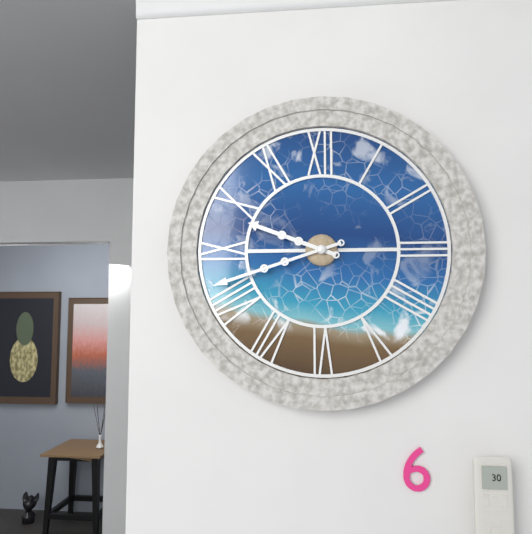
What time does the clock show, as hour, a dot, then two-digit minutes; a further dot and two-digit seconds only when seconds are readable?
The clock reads 9.42
